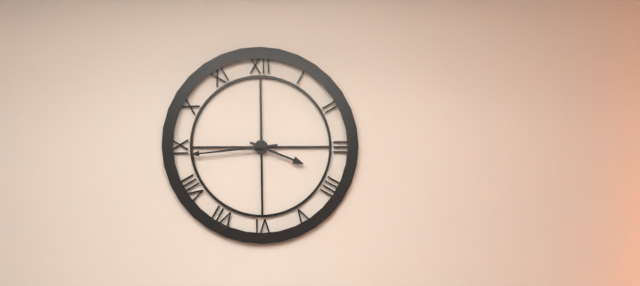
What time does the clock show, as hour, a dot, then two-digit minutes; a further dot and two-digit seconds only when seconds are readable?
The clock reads 3.44
